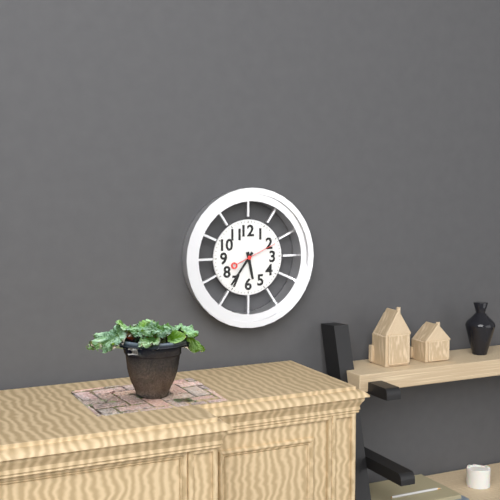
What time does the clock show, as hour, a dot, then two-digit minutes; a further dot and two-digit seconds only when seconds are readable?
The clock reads 5.36
